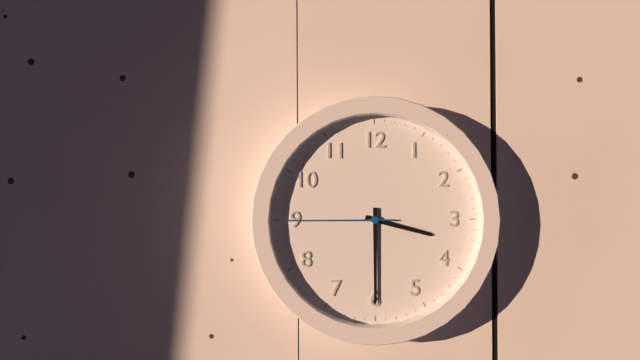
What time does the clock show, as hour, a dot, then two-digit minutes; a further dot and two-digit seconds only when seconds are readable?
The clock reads 3.30.45
